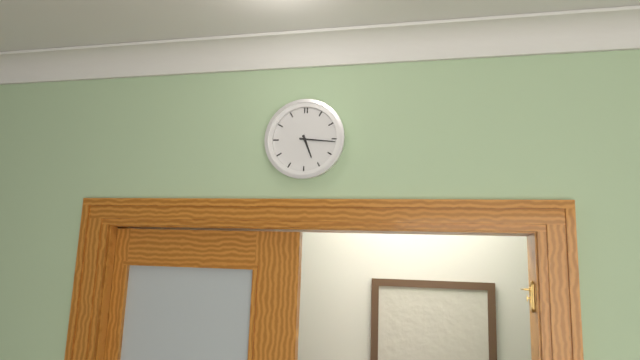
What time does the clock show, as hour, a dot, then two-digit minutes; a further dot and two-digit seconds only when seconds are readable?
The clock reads 5.16
